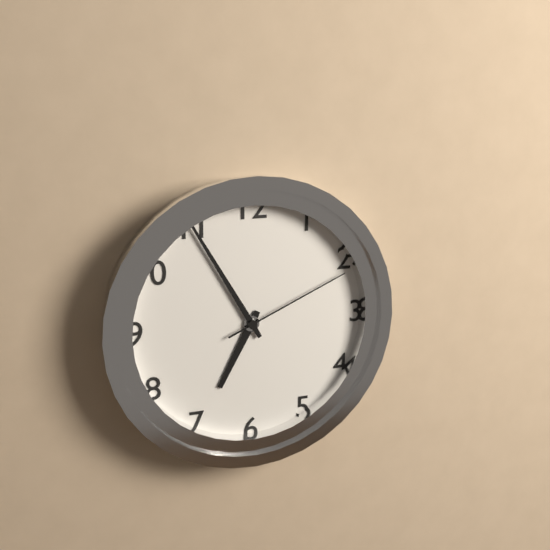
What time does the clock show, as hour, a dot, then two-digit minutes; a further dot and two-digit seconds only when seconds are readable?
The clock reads 6.55.11
